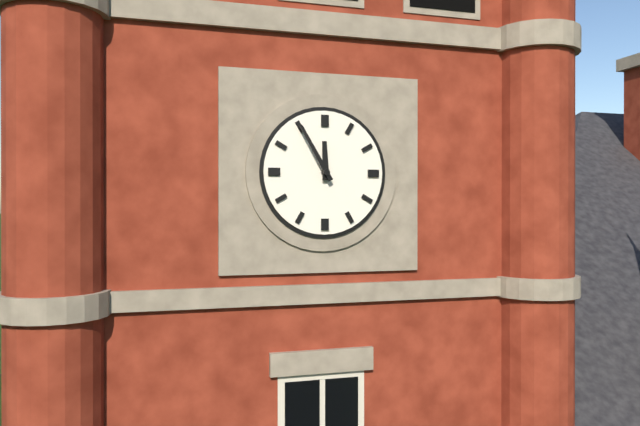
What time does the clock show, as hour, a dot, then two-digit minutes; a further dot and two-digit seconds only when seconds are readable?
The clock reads 11.55
